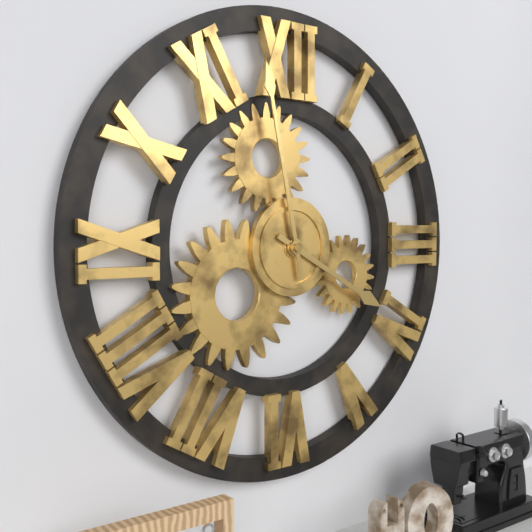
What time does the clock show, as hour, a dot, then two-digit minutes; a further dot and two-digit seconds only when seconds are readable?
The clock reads 3.58
